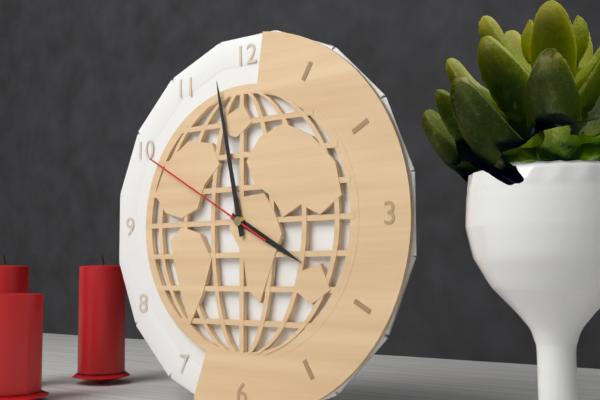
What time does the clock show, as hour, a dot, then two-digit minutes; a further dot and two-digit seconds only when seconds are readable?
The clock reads 3.58.50
